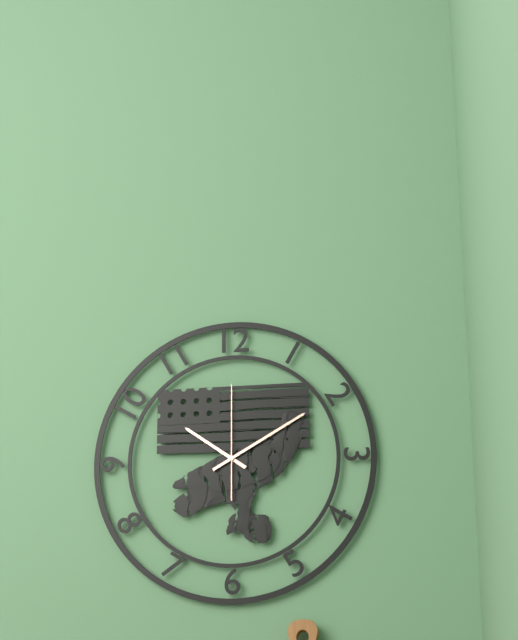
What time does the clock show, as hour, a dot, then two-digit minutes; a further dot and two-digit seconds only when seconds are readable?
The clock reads 10.10.00
